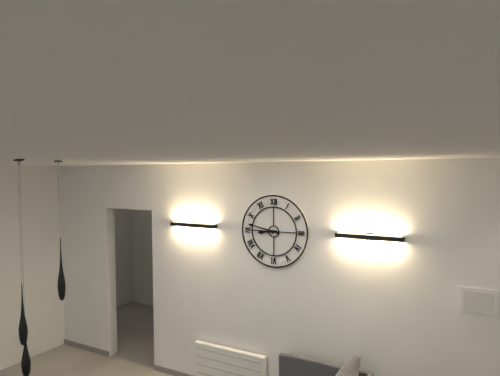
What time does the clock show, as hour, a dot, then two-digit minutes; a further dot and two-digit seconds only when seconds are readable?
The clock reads 8.47
